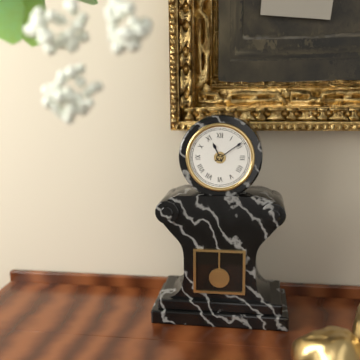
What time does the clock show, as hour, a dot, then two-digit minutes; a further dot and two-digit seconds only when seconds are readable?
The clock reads 11.09
